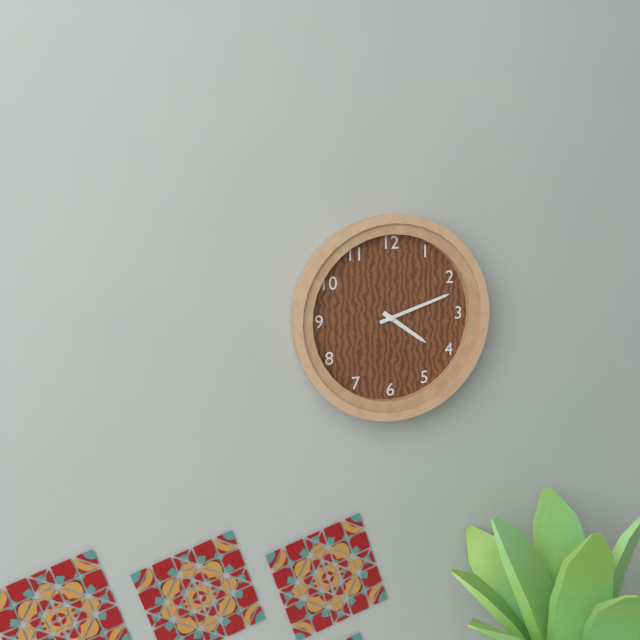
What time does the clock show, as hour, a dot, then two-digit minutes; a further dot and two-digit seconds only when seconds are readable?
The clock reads 4.12
